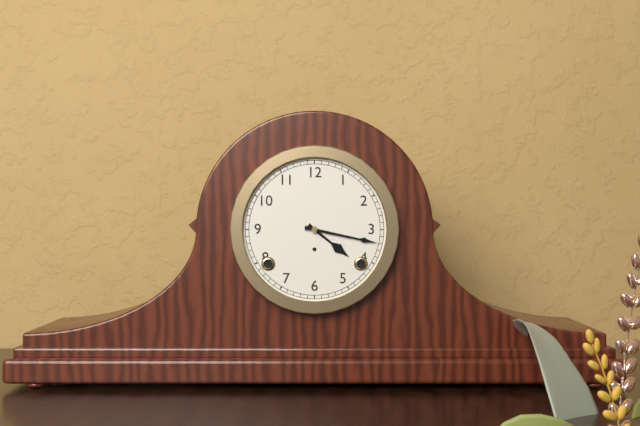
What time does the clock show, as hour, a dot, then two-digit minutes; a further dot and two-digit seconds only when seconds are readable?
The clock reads 4.17
